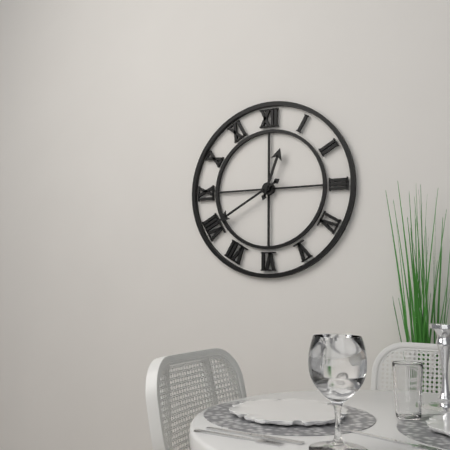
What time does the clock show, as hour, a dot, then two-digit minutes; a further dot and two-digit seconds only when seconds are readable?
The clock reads 12.40
